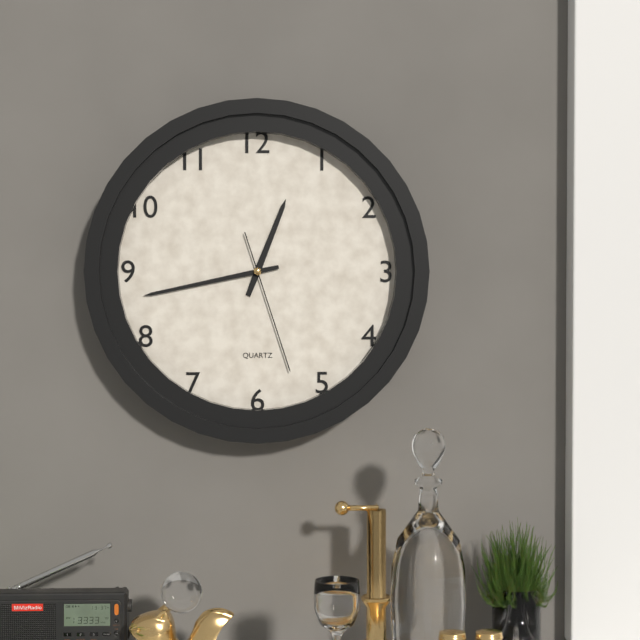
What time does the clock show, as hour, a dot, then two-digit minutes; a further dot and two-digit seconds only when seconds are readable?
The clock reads 12.43.27
